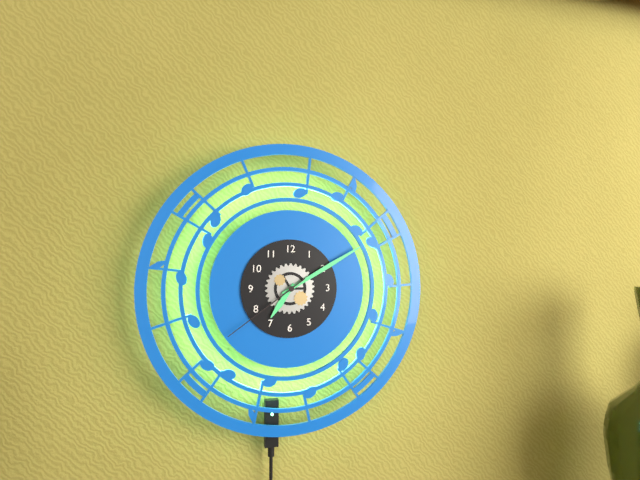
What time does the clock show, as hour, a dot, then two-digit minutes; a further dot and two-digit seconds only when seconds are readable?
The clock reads 7.10.39
